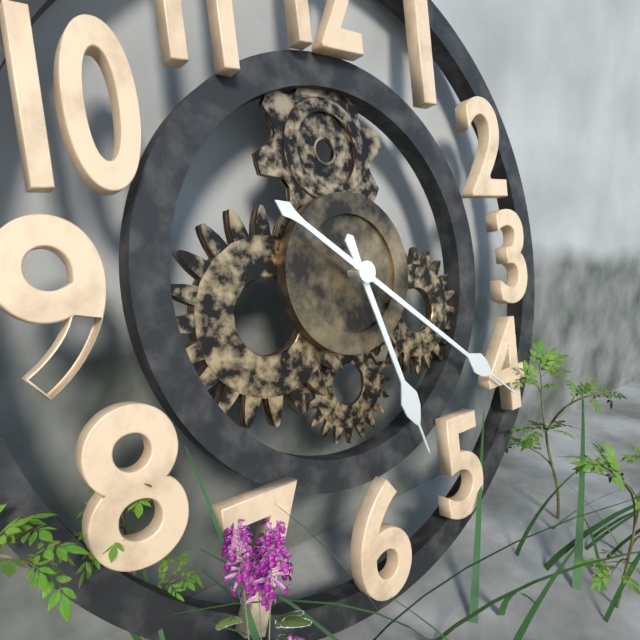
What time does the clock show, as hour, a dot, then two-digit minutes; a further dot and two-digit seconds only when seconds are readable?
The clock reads 5.21
